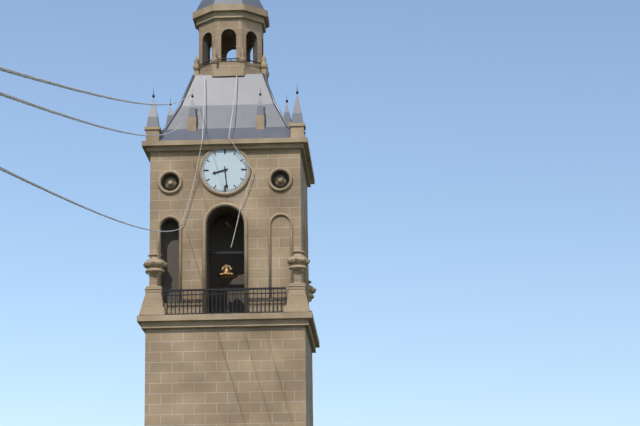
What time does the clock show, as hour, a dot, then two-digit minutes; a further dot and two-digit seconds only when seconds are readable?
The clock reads 8.29
